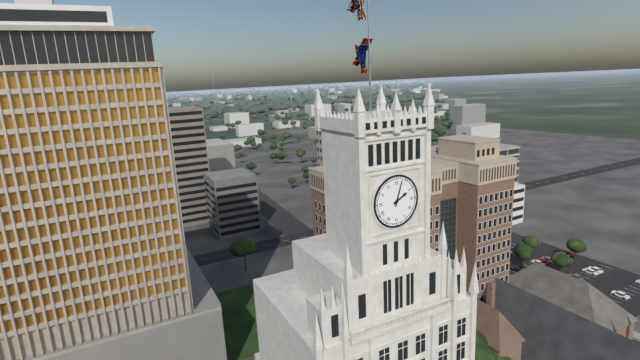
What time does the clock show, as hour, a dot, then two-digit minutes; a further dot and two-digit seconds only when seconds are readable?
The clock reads 2.03
